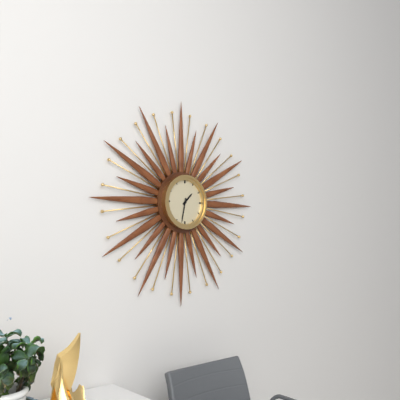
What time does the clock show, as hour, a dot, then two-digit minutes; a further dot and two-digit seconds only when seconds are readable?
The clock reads 1.32
